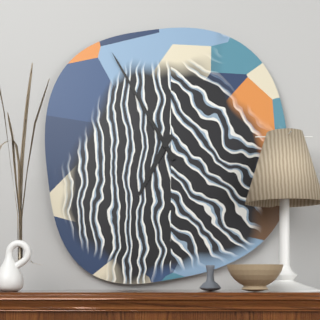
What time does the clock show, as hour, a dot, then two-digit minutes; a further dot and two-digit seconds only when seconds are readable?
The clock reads 6.55
